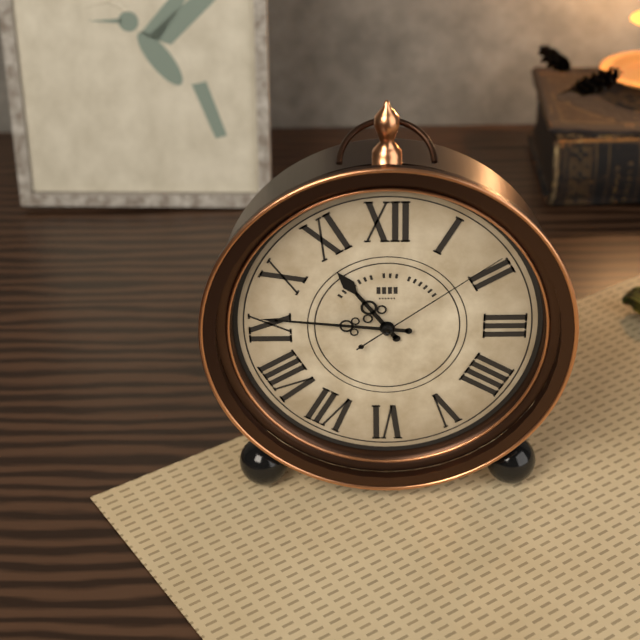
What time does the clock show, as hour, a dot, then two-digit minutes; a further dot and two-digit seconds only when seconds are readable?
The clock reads 10.46.09
